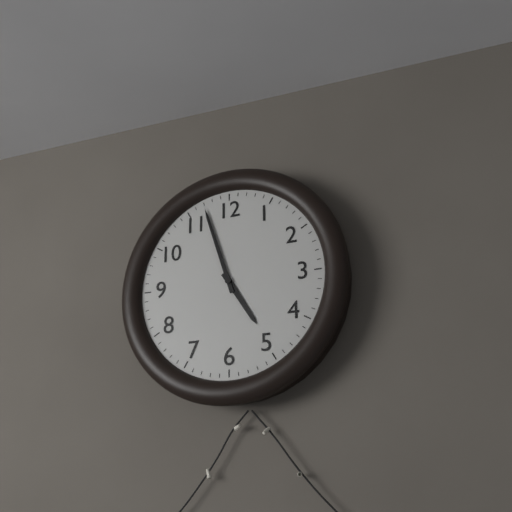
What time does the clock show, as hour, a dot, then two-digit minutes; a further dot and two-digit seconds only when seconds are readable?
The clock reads 4.57
